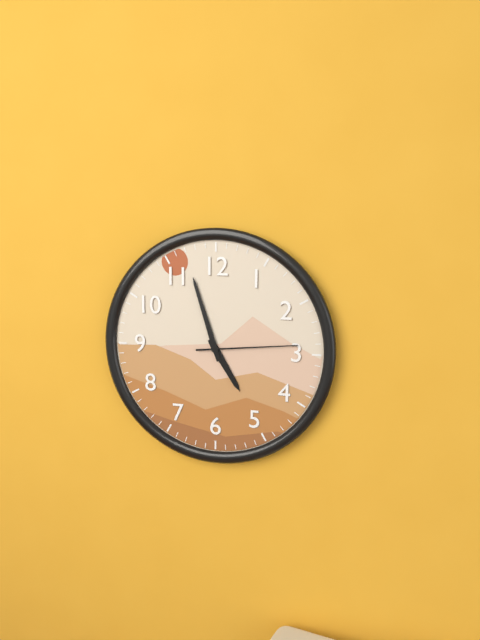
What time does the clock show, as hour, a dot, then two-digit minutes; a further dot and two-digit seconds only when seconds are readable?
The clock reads 4.57.14
